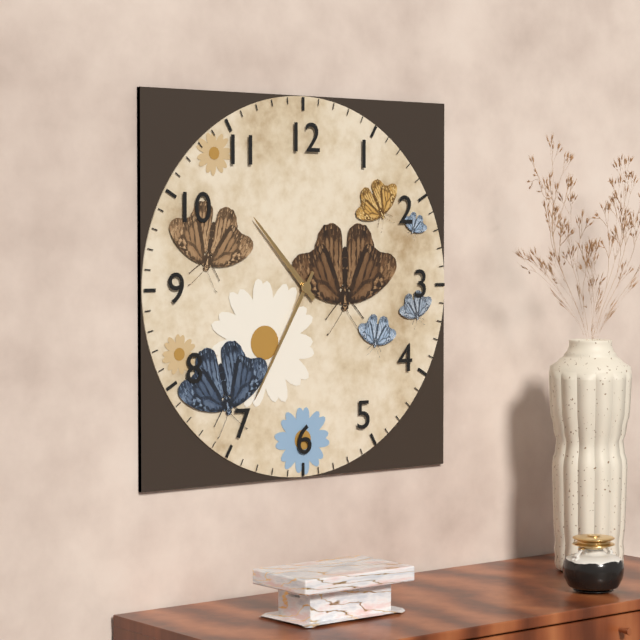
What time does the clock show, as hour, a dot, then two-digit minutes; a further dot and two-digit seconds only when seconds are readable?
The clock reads 10.35
